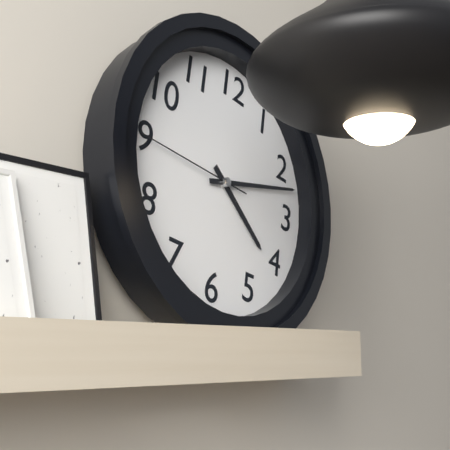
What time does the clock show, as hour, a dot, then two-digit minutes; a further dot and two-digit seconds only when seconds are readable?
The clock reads 4.12.45
